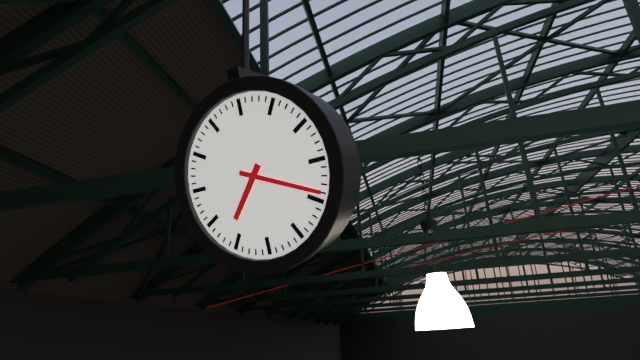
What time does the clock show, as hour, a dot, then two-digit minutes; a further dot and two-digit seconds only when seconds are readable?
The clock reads 7.19
